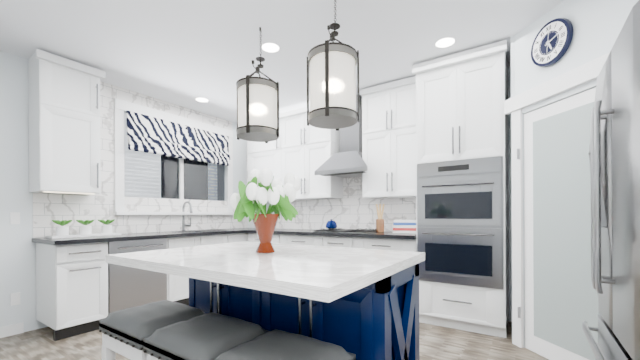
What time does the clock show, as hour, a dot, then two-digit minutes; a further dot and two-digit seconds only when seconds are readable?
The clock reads 5.12
